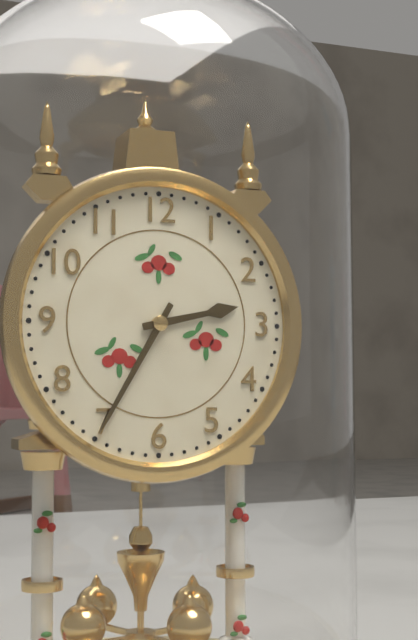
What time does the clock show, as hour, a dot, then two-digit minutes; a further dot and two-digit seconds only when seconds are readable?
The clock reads 2.35
